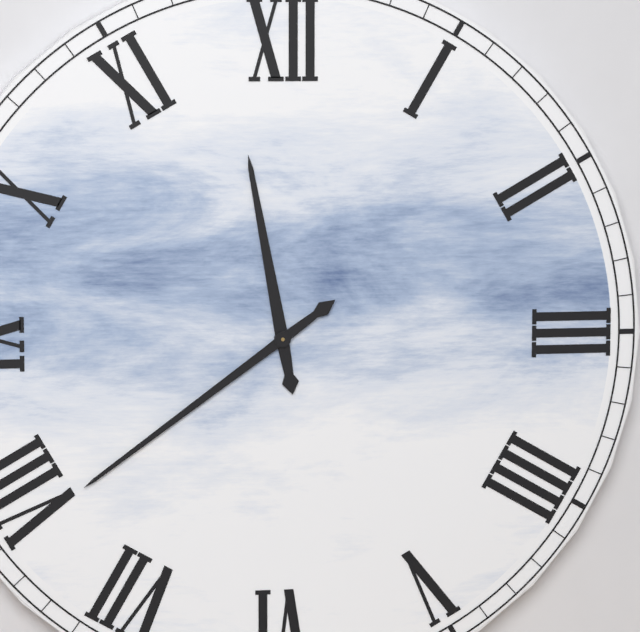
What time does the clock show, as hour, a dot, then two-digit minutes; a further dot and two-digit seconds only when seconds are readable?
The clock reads 11.39
